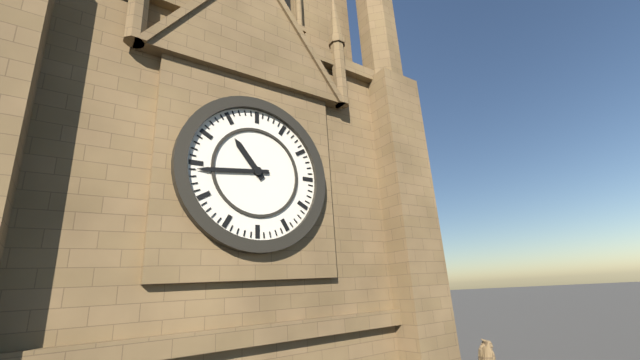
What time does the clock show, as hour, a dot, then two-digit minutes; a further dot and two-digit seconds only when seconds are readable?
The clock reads 10.44
